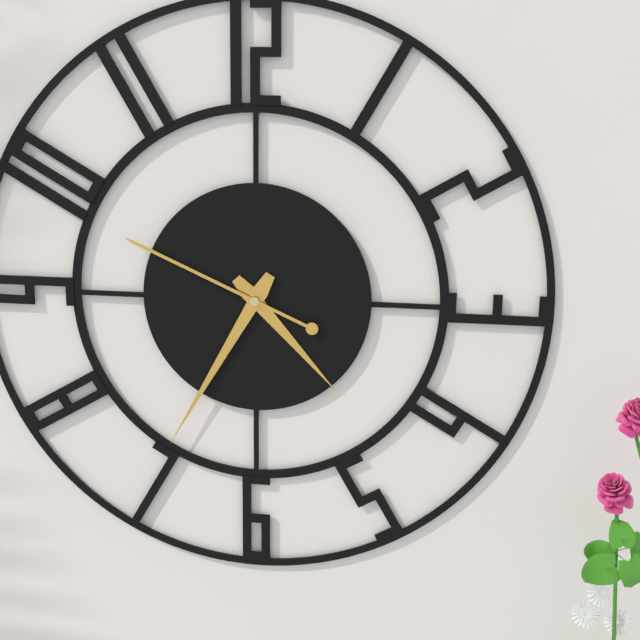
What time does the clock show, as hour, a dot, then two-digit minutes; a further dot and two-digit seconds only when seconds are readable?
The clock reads 4.35.49
